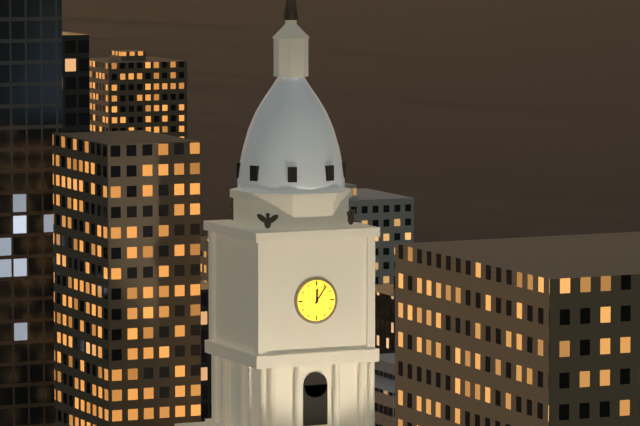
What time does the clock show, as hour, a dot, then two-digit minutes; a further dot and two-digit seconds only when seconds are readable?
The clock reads 12.06
